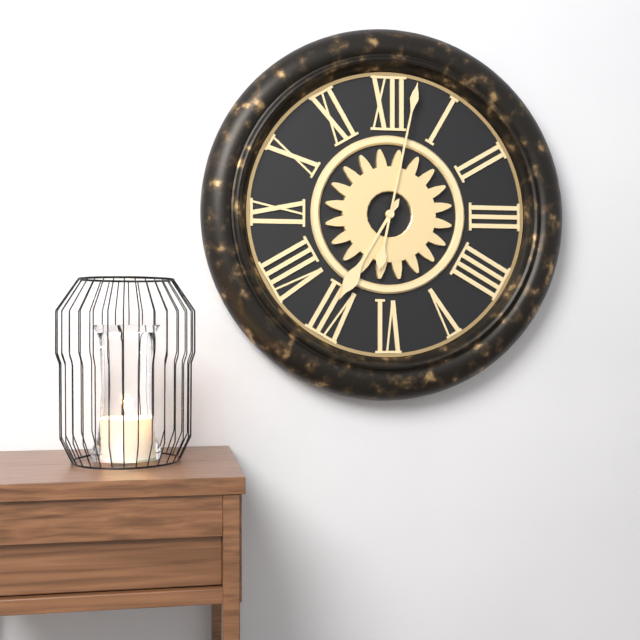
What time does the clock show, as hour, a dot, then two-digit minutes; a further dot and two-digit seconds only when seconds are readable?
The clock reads 7.02
